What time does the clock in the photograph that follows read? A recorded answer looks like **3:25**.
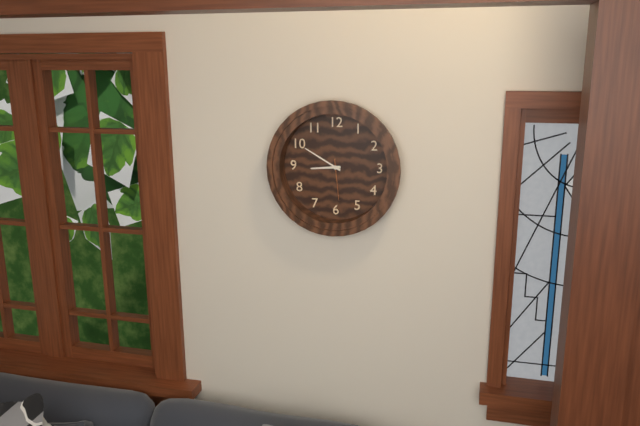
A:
**8:50**
